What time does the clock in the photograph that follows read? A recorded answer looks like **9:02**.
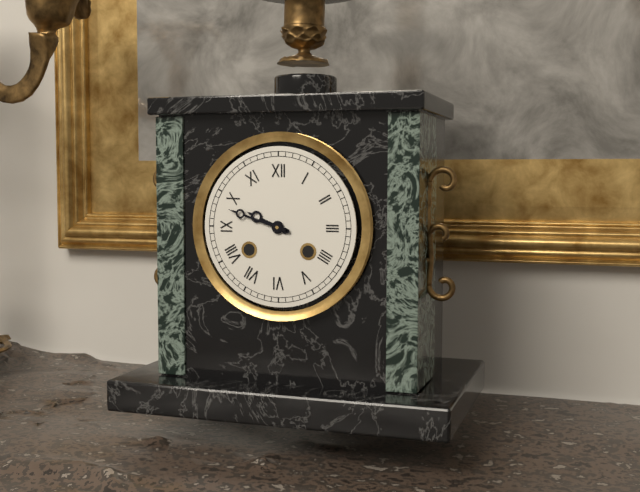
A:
**9:48**
